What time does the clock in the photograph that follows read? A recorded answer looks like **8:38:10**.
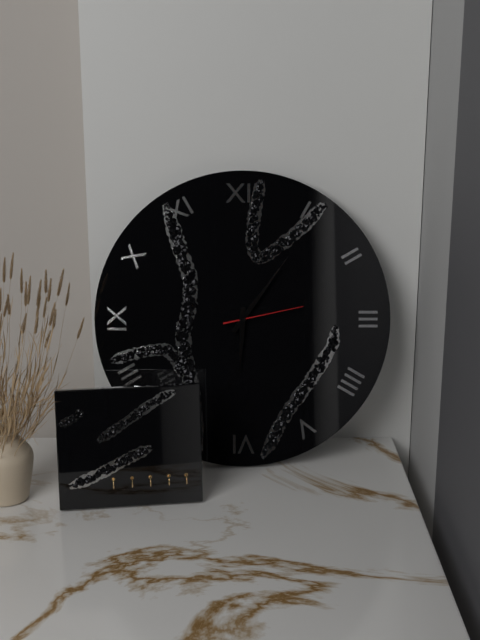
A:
**6:06:13**
